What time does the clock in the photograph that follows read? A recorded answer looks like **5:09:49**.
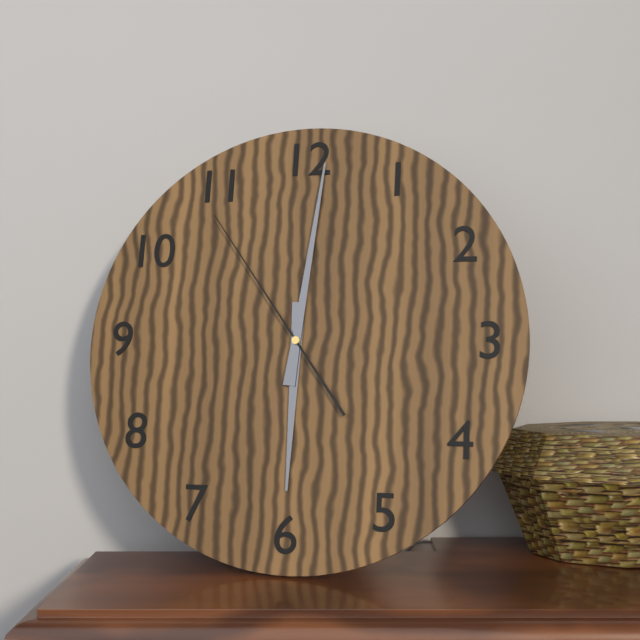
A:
**6:01:54**
